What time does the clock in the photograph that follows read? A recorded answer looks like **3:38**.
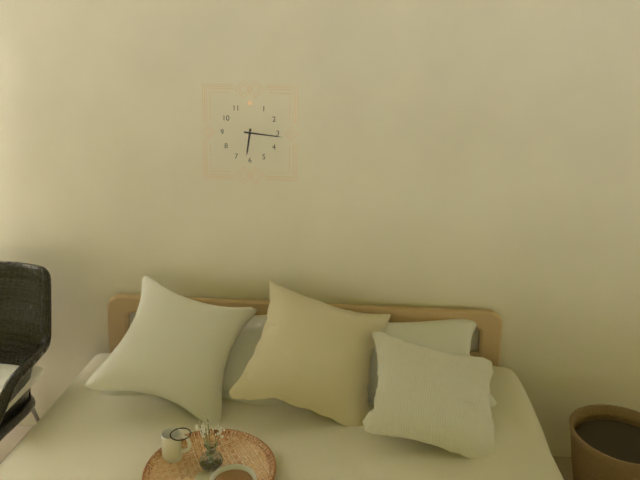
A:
**6:16**
